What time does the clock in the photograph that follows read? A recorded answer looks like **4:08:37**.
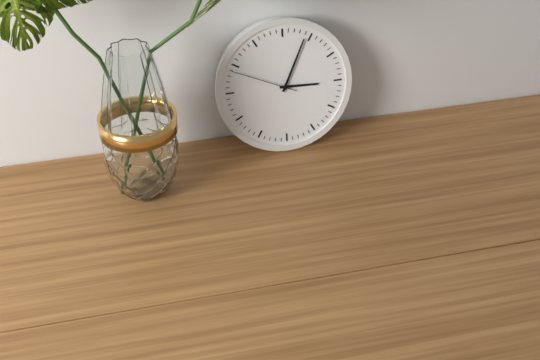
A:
**3:04:49**
